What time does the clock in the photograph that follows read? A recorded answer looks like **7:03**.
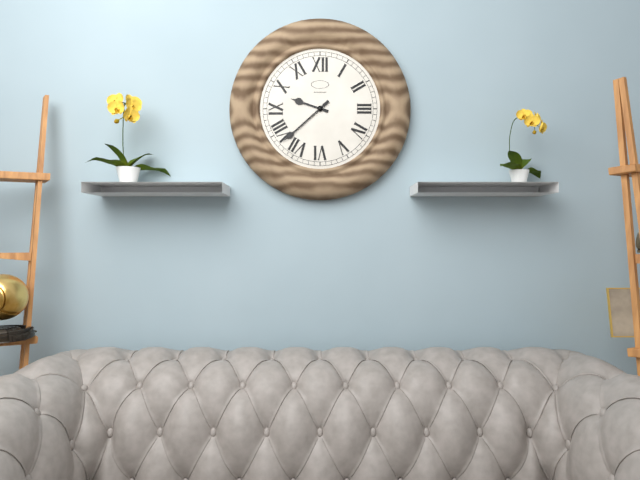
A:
**9:38**
